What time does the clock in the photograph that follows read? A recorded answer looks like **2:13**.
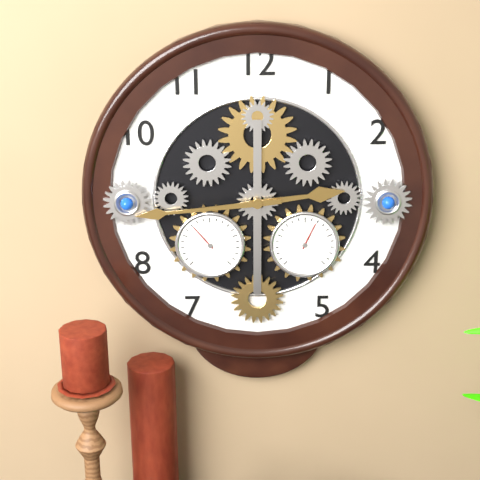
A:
**2:44**
